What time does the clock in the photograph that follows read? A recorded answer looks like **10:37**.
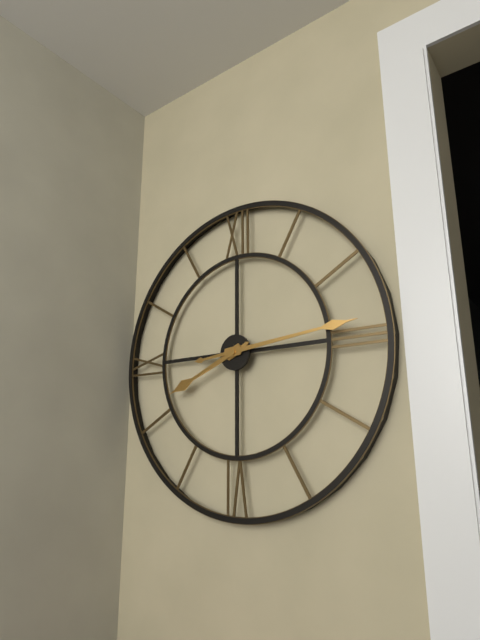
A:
**8:14**
